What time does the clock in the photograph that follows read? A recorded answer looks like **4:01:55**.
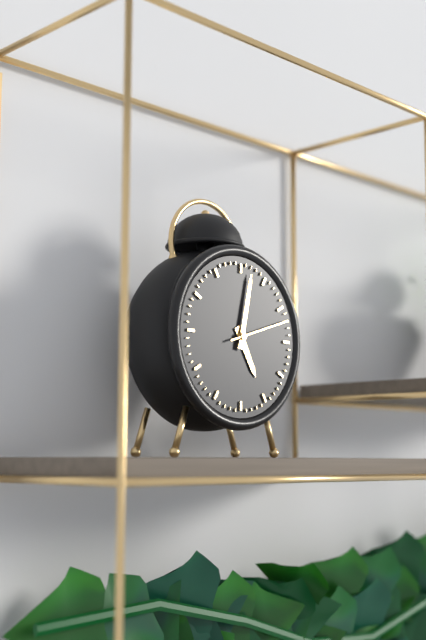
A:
**5:02:12**
